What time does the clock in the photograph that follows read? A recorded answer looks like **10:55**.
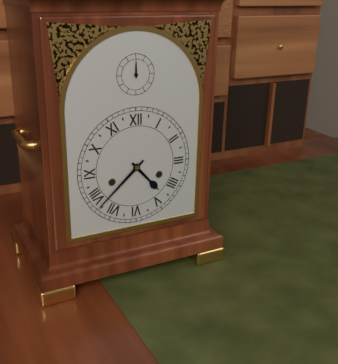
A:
**4:38**
